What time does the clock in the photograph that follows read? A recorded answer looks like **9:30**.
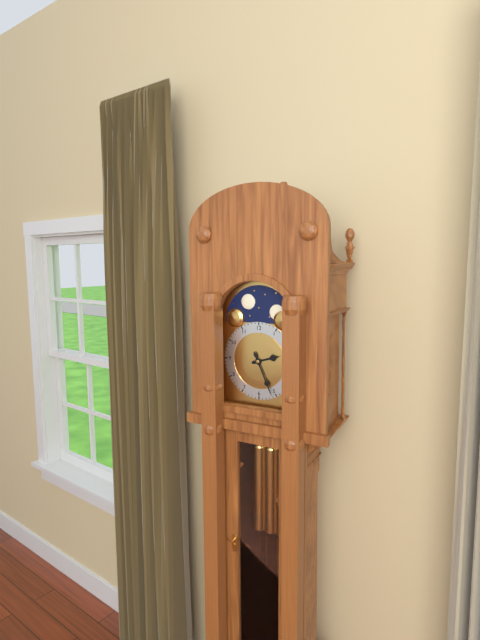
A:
**2:26**
